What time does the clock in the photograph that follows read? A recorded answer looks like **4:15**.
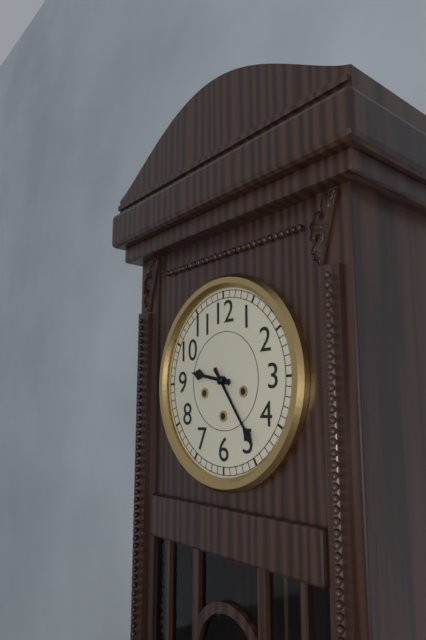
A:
**9:24**
